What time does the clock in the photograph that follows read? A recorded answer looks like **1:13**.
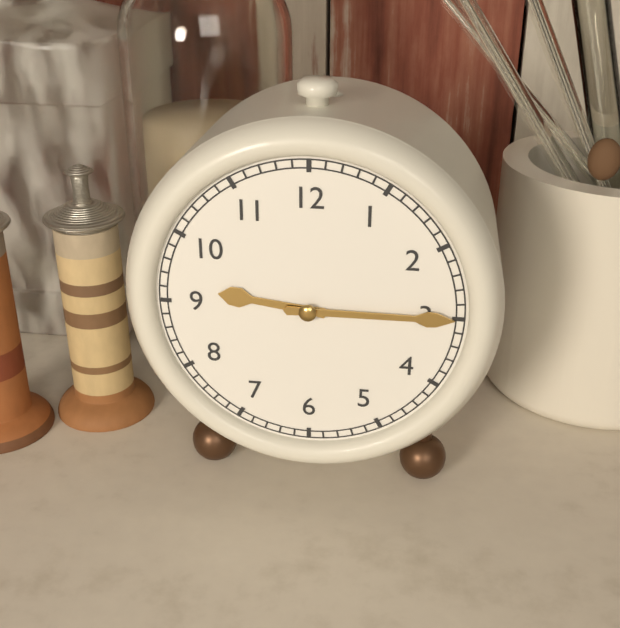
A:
**9:15**
